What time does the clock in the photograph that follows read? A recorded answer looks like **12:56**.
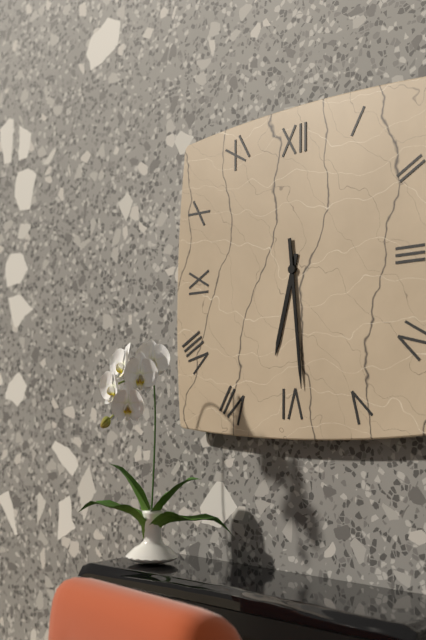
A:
**6:29**
